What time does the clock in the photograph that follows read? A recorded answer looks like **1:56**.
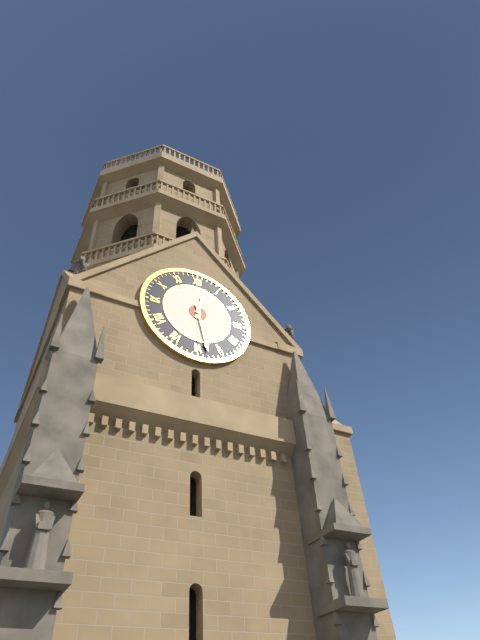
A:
**12:28**
